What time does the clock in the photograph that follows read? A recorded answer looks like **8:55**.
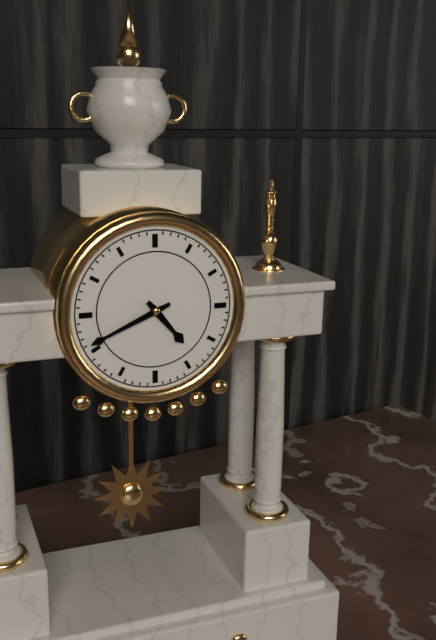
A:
**4:41**
